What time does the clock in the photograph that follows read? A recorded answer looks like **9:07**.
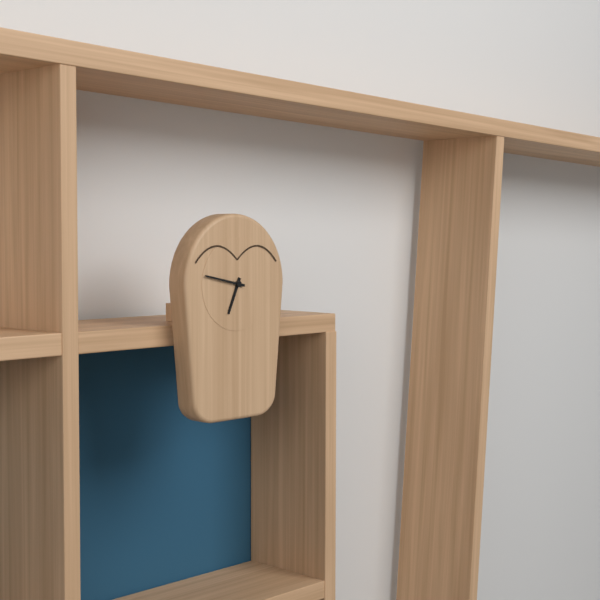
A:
**6:47**
